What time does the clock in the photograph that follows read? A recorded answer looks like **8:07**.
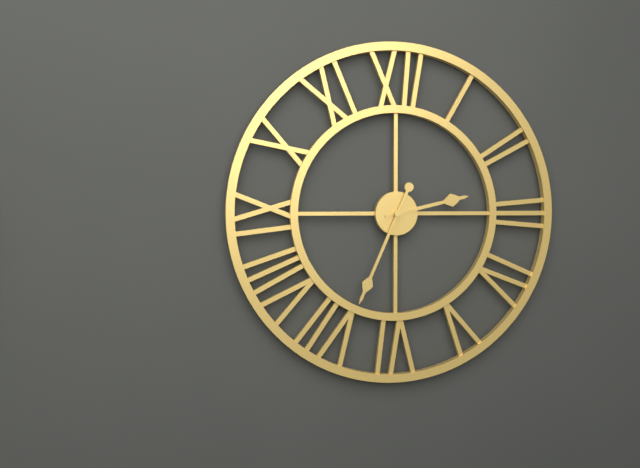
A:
**2:34**
